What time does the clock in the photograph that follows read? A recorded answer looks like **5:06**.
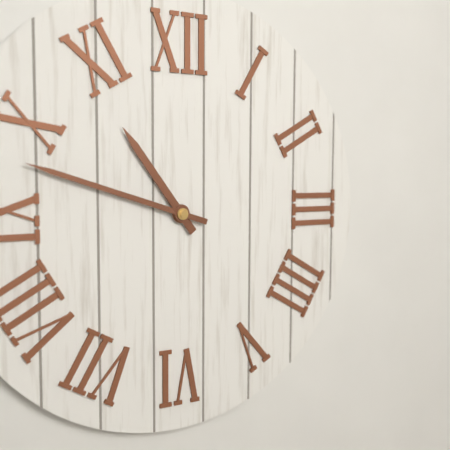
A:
**10:48**
